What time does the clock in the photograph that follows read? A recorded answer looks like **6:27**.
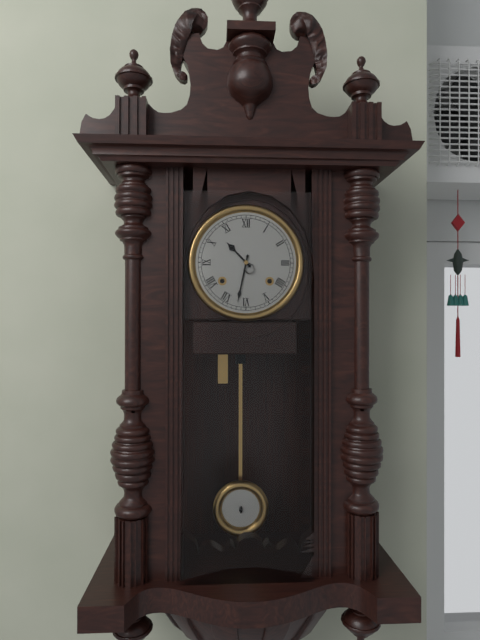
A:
**10:32**
